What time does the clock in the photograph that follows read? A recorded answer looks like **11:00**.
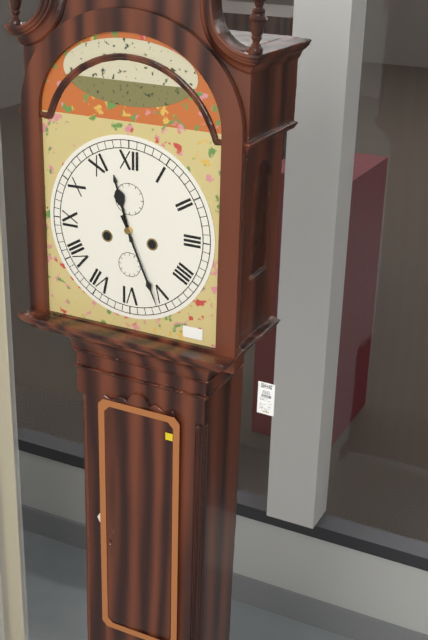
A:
**11:26**
